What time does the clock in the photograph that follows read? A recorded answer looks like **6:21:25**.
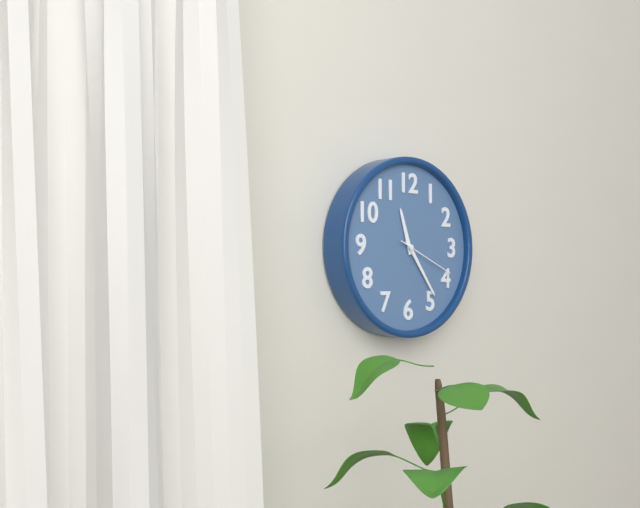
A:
**11:24:19**
